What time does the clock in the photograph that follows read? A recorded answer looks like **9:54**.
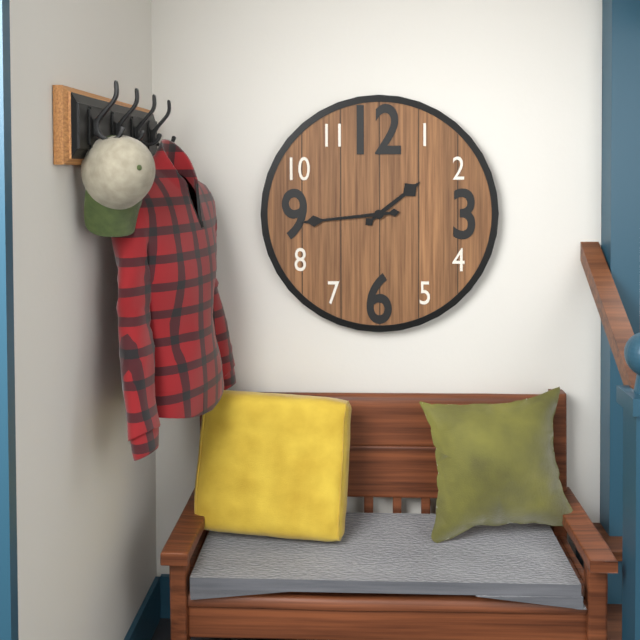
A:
**1:44**
